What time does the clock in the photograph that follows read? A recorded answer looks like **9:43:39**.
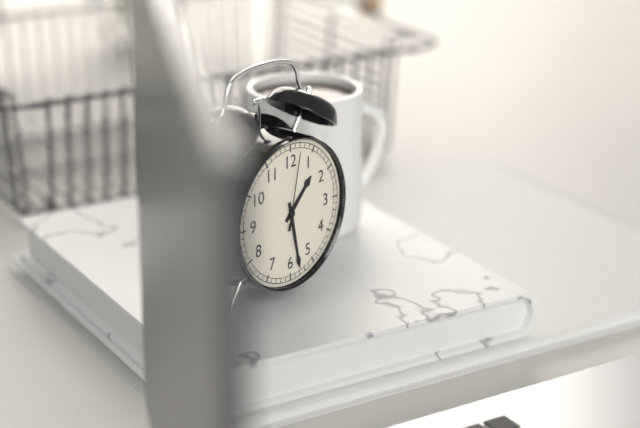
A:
**1:28:02**
